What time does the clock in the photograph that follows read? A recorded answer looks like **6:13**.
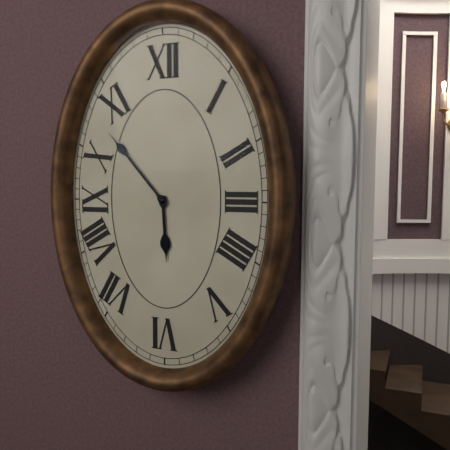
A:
**5:53**
